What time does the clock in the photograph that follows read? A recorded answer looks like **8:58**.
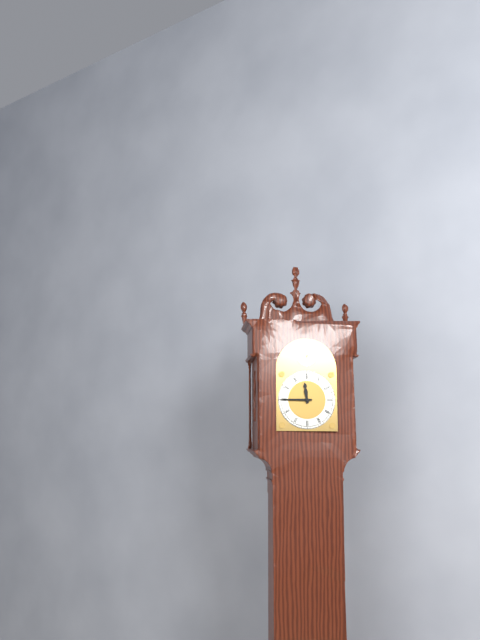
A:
**11:45**
